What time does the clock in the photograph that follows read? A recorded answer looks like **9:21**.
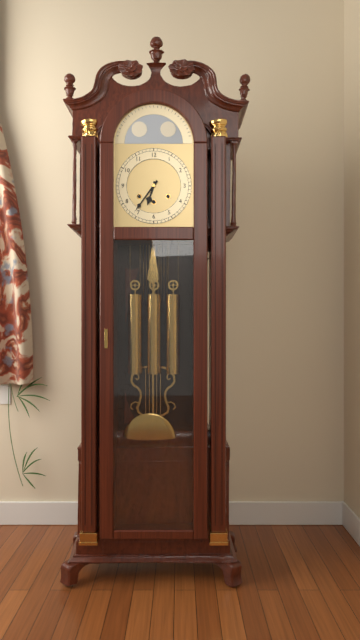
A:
**6:36**
